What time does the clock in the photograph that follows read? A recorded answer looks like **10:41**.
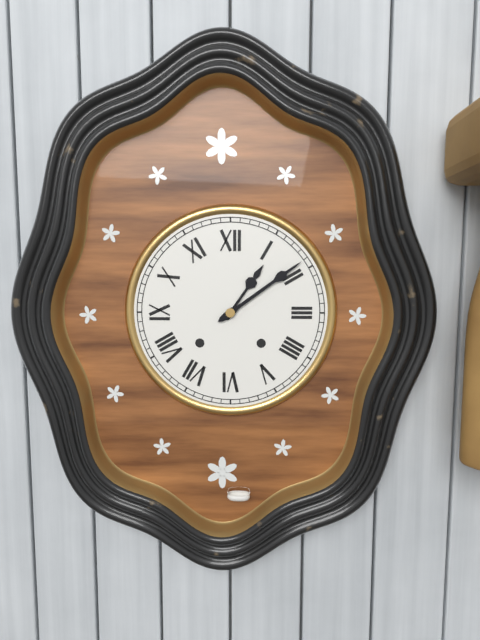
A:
**1:09**
